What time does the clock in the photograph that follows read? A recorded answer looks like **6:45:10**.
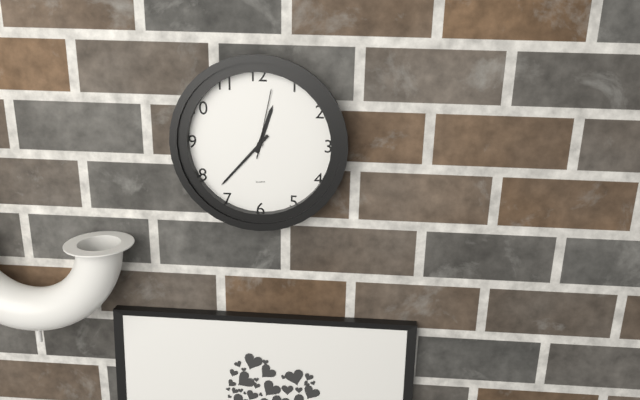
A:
**12:37:02**
